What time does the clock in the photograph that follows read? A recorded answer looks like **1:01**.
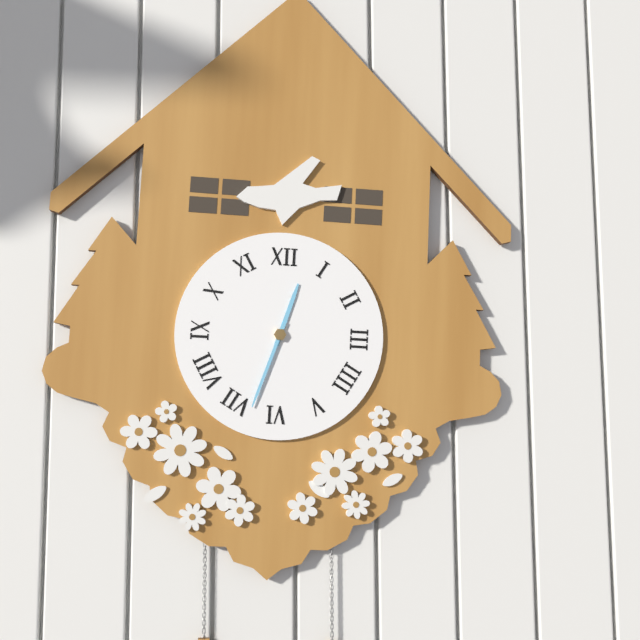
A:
**12:33**
